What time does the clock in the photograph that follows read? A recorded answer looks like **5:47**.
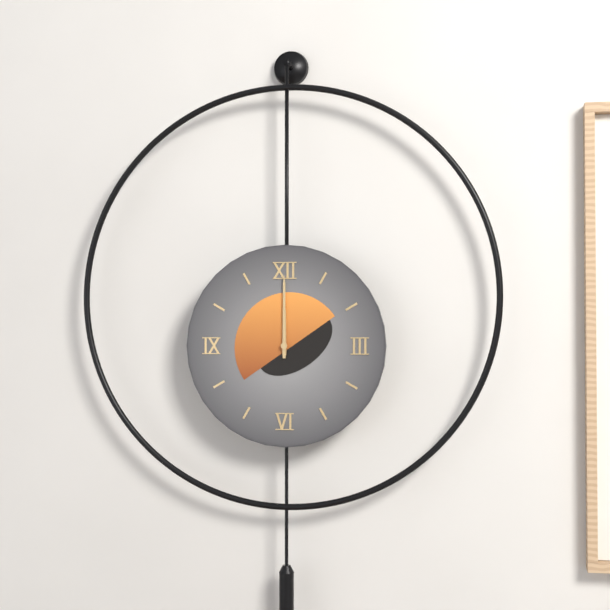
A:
**12:00**
